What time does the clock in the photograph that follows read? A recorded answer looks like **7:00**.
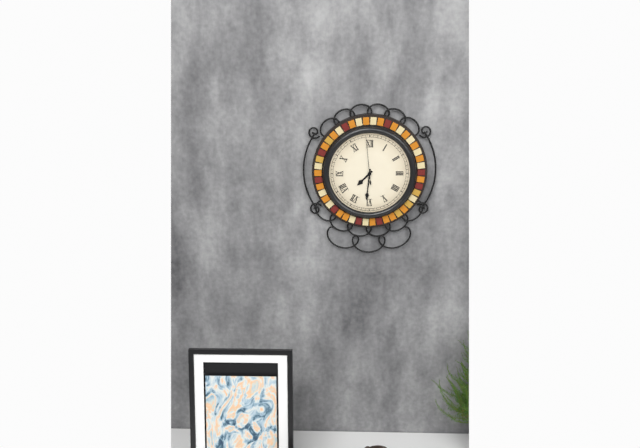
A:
**7:31**
